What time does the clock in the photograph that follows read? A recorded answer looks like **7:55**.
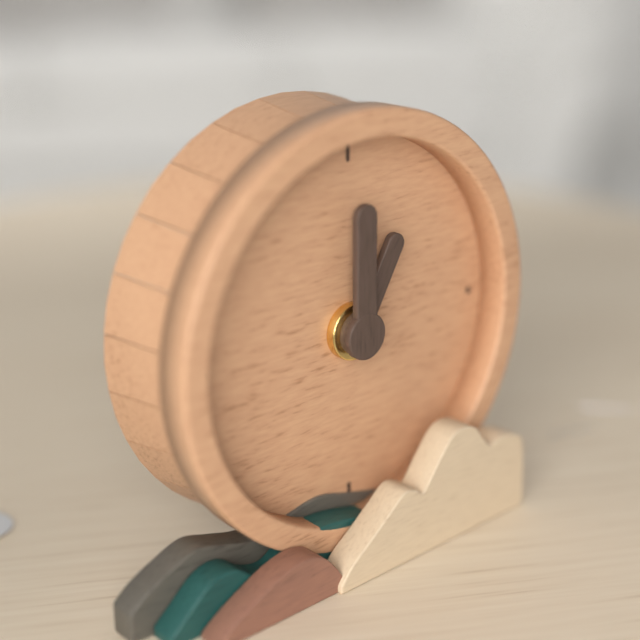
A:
**1:00**
